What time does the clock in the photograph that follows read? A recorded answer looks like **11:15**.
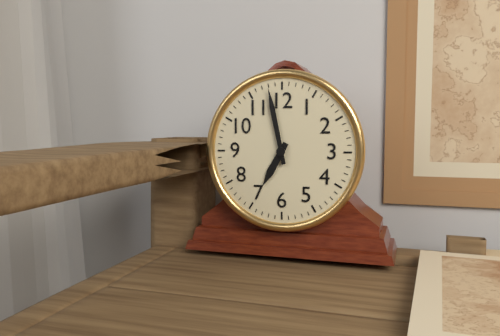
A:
**6:58**
